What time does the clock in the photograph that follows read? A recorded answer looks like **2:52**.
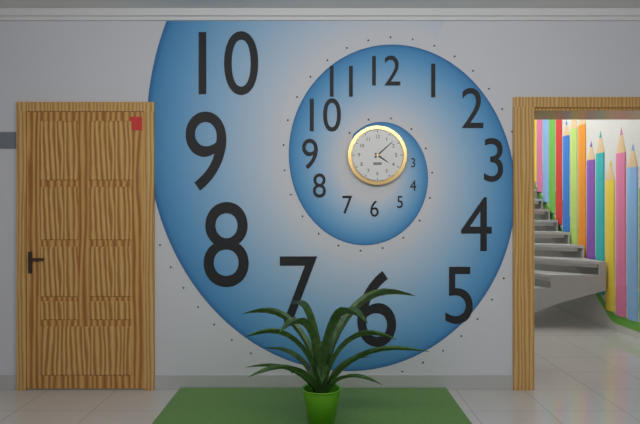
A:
**4:08**
